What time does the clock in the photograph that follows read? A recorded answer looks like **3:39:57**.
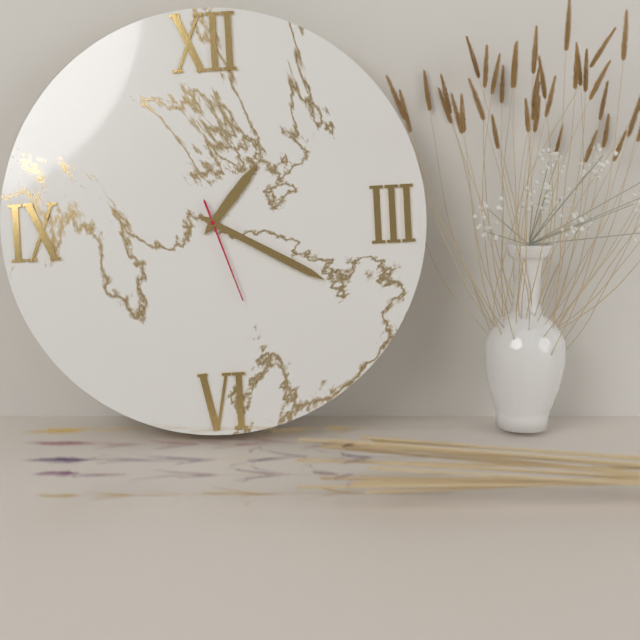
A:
**1:20:27**
